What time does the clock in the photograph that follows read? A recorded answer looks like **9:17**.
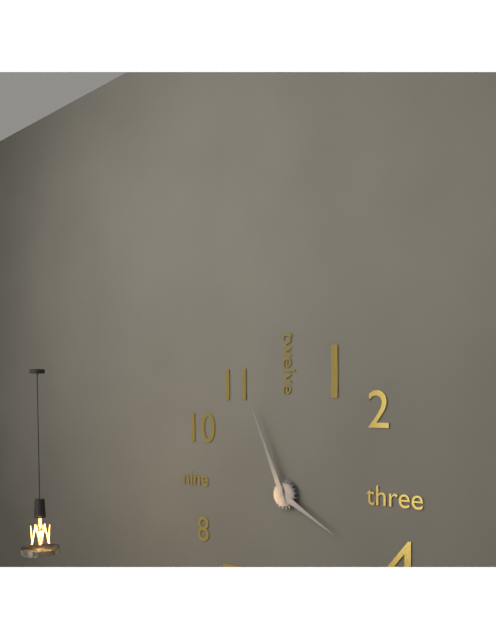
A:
**3:56**
